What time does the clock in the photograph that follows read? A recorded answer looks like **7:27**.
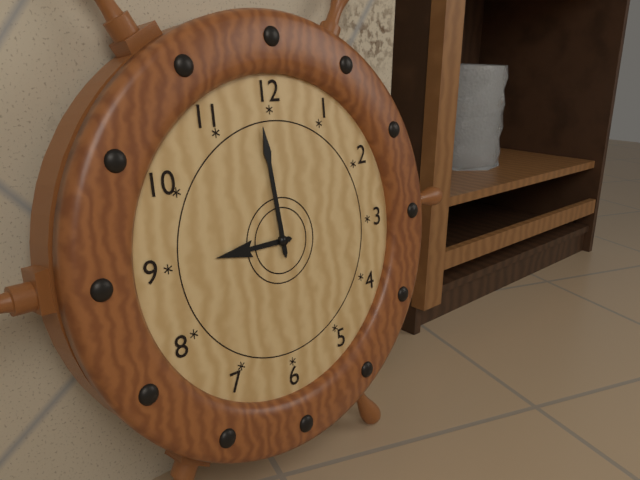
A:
**8:59**
